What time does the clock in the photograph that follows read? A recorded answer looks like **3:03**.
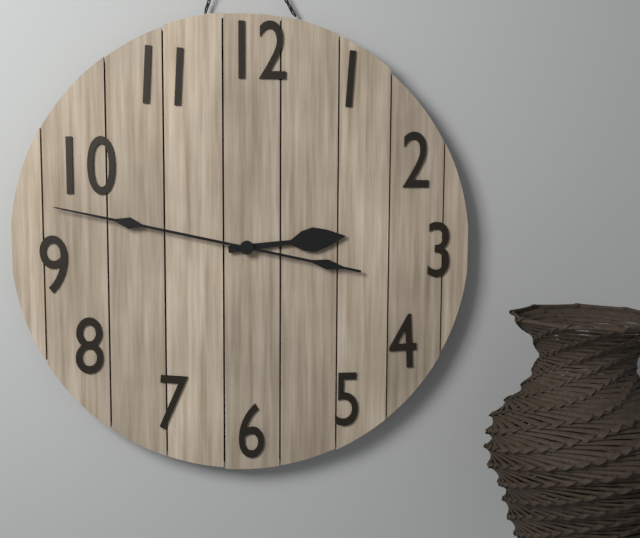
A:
**2:47**
